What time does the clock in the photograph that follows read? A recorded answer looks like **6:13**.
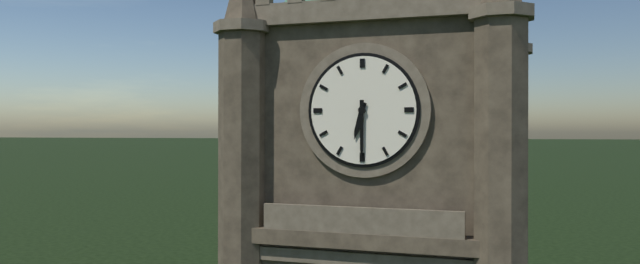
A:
**6:30**
